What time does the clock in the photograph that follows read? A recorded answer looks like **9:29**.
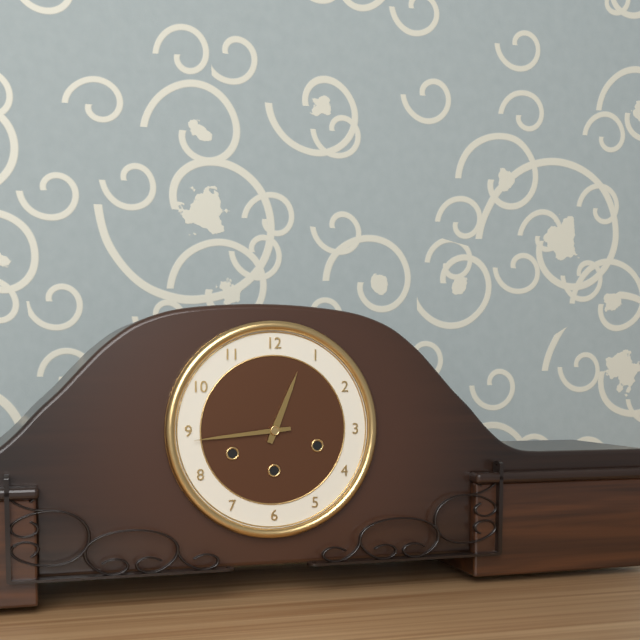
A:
**12:44**
